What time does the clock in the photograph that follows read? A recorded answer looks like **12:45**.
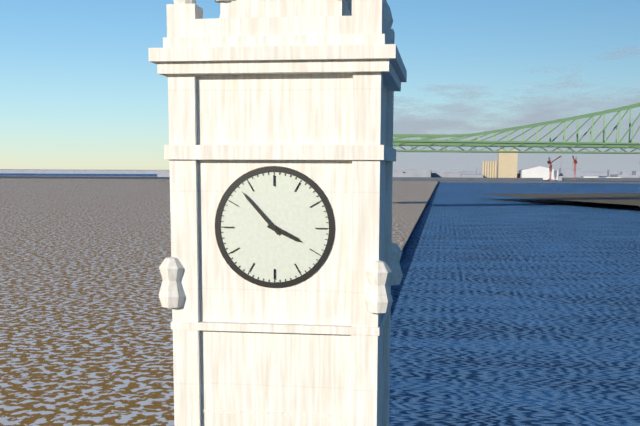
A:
**3:53**
